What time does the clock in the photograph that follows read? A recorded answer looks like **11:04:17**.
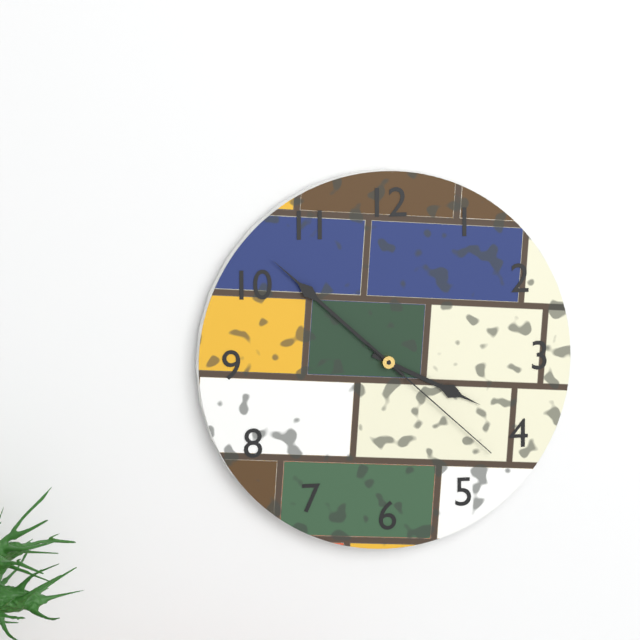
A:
**3:52:22**
